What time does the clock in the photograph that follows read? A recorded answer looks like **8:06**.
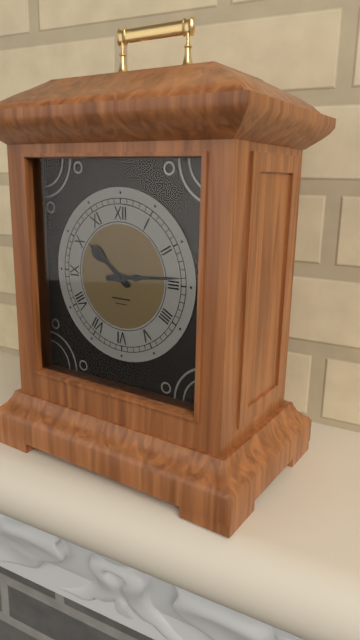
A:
**10:14**
